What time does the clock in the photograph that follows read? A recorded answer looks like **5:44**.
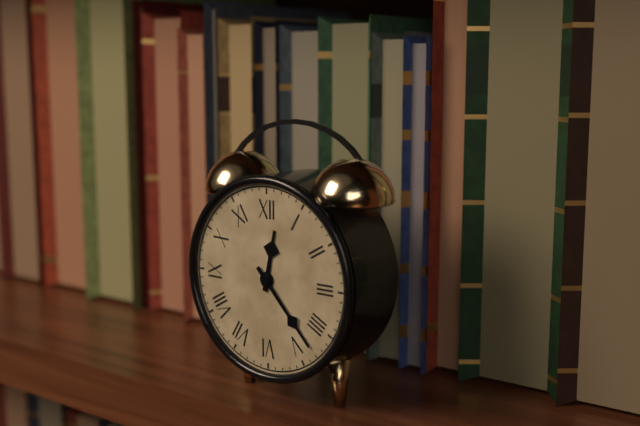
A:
**12:23**
